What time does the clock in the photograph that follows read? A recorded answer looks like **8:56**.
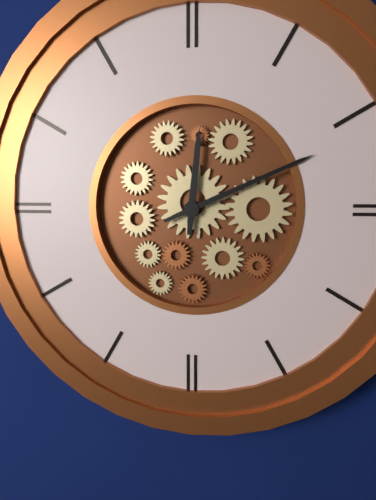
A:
**12:11**
